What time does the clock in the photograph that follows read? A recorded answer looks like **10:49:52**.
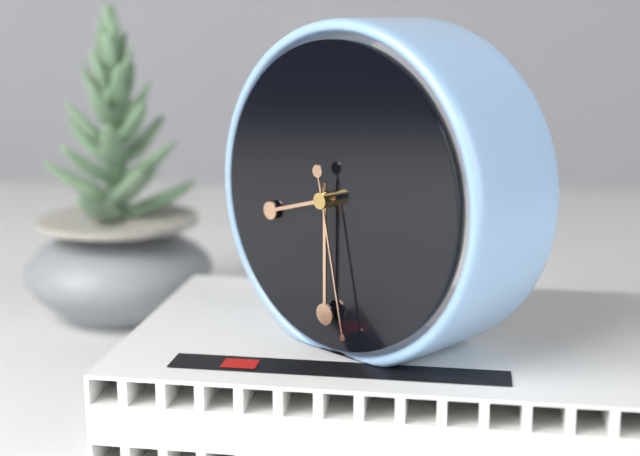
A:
**8:30:28**
